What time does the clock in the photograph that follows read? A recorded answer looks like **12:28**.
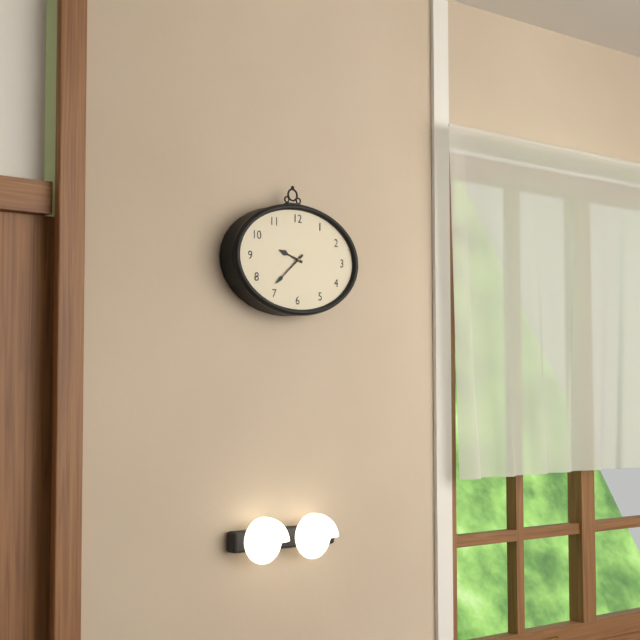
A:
**9:38**
